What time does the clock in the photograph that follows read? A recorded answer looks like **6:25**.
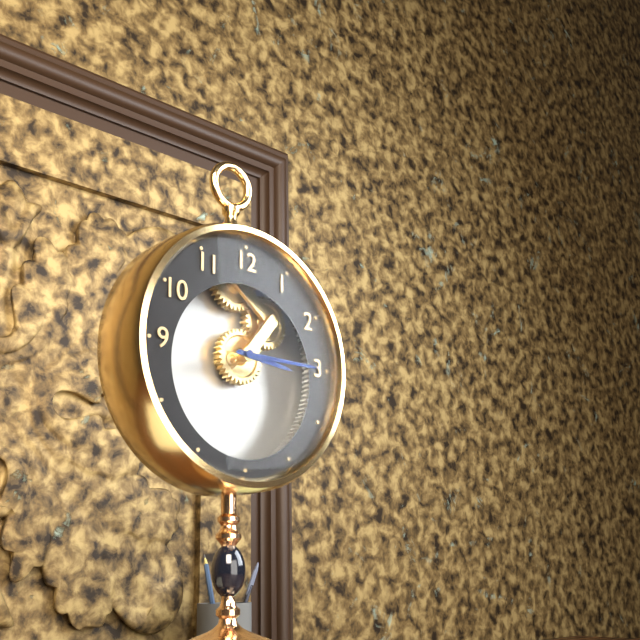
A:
**3:15**
